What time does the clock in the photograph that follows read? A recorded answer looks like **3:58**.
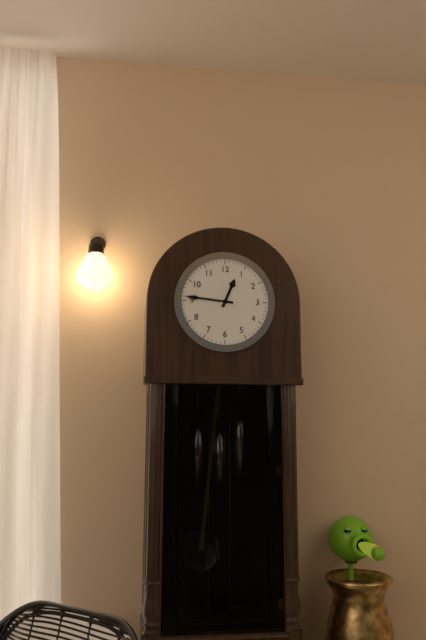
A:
**12:46**
